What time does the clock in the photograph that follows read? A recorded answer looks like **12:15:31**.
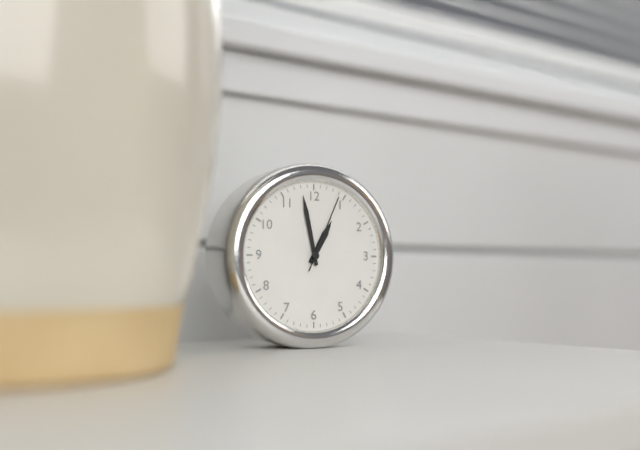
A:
**12:58:04**
